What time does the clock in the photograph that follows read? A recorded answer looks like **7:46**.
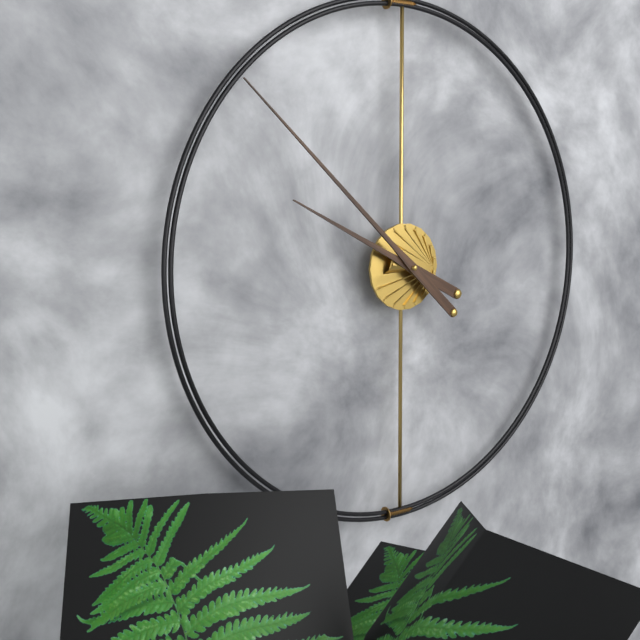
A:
**9:52**
